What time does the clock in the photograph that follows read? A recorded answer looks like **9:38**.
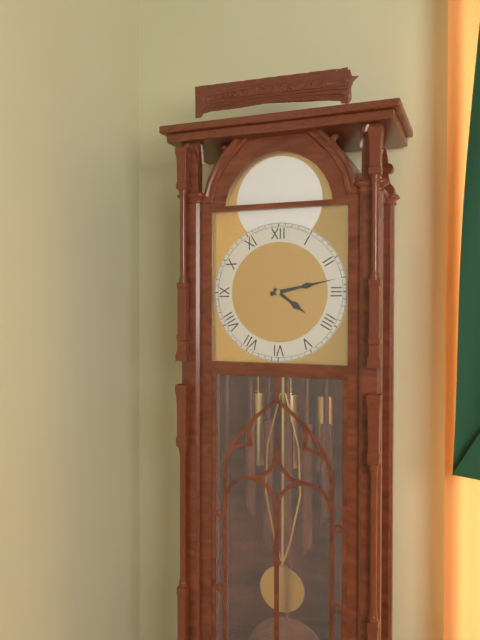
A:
**4:13**
